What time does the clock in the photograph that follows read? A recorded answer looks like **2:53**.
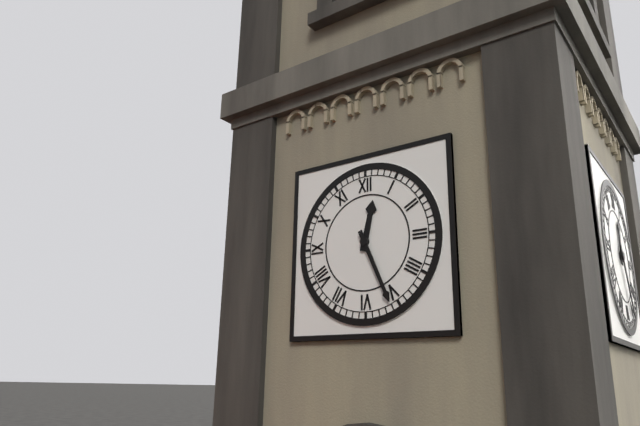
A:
**12:26**
